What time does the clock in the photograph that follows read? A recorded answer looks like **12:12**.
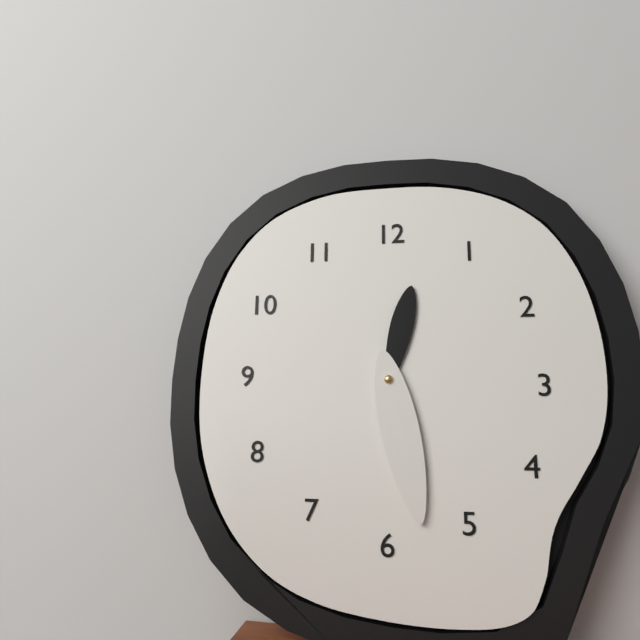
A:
**12:28**
